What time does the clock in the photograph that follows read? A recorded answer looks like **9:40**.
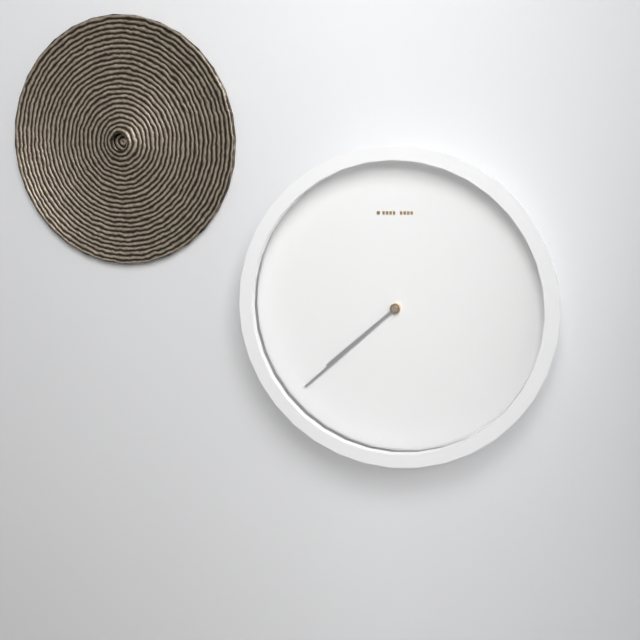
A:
**7:38**
